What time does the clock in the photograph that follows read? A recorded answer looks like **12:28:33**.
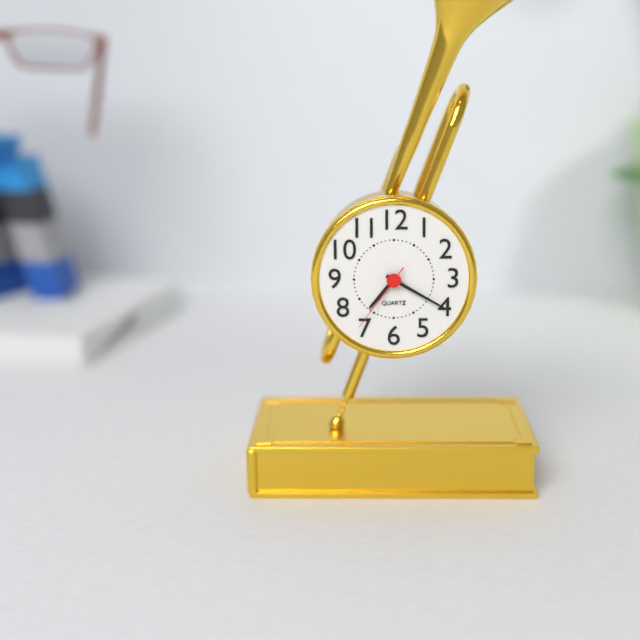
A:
**7:20:36**
